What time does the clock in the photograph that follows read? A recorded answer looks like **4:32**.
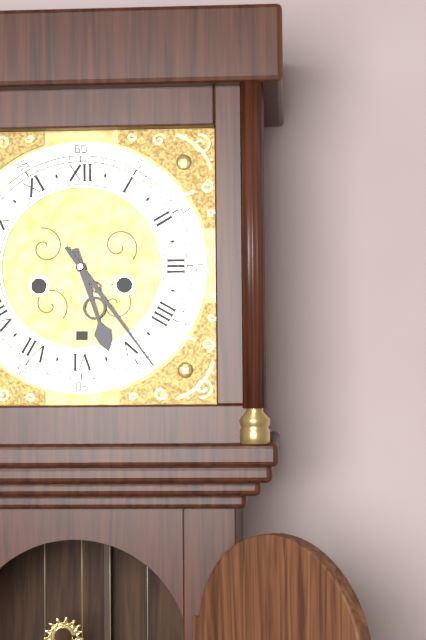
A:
**5:24**
